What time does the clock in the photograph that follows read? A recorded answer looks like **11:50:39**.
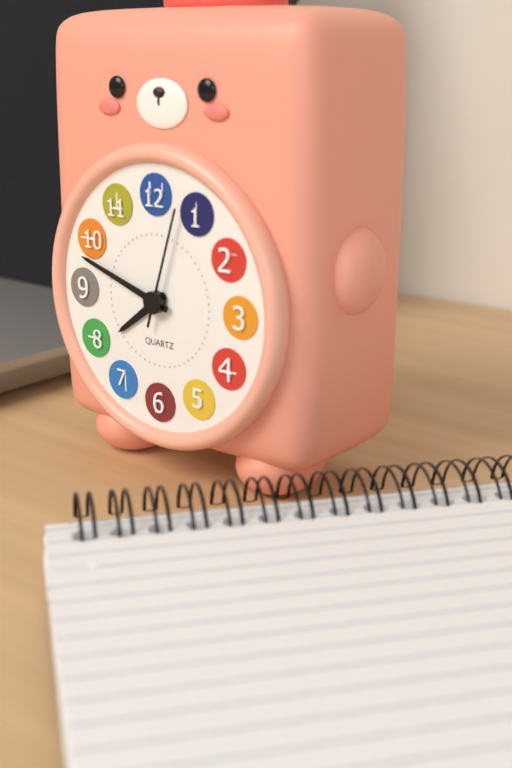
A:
**7:48:03**
